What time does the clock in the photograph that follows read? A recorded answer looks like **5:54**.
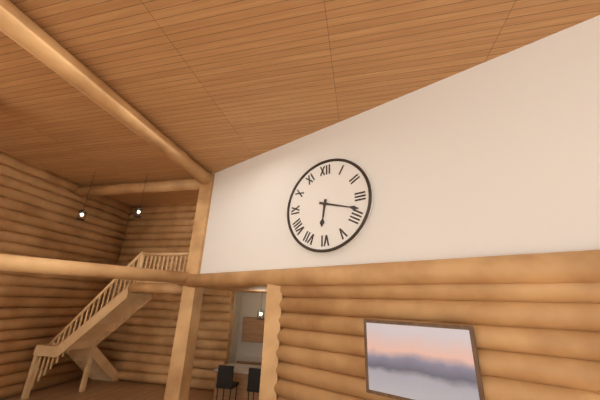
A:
**6:18**
